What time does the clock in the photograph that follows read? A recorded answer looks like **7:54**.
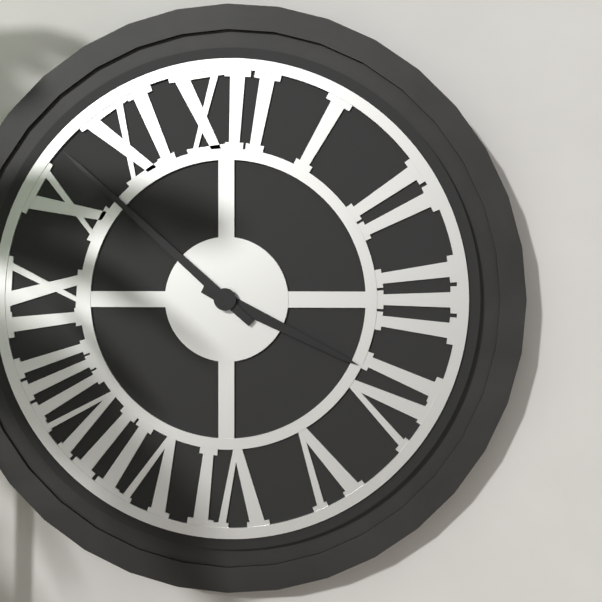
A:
**3:52**
